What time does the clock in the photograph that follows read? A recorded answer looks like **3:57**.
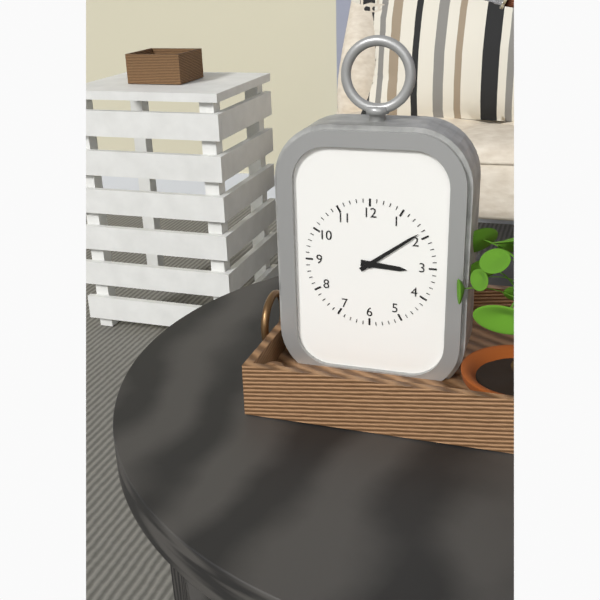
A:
**3:09**
